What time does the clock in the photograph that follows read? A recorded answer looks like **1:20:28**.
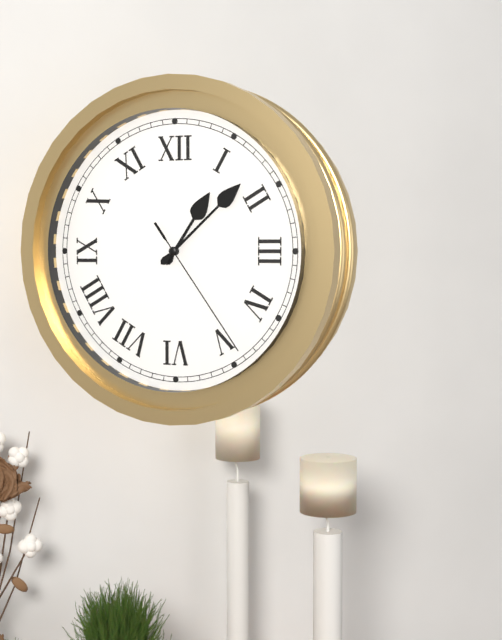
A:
**1:08:24**
